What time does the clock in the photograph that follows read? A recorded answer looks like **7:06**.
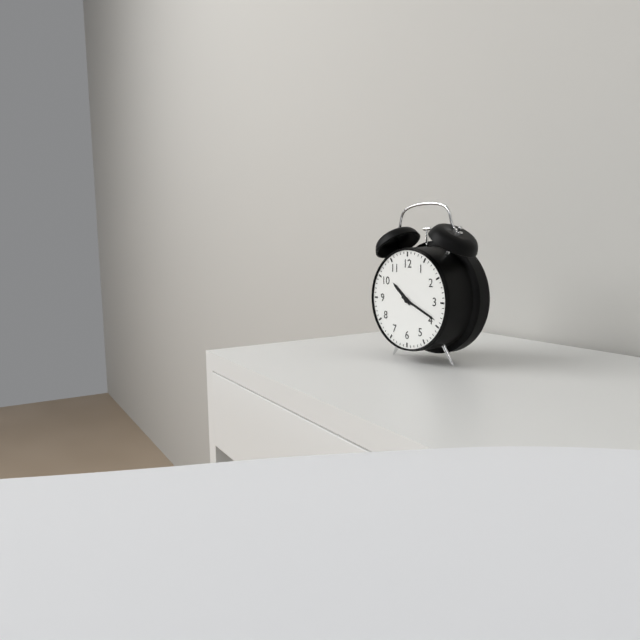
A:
**10:19**
